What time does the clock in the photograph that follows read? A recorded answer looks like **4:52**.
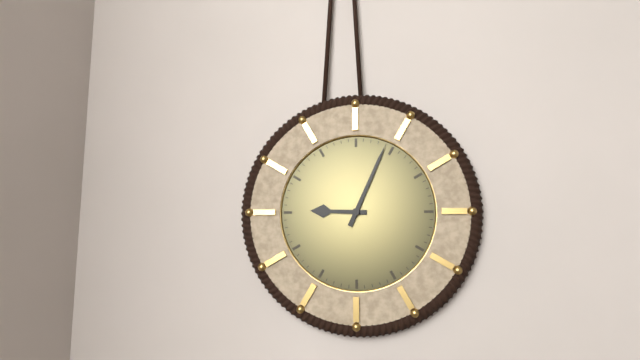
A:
**9:04**
